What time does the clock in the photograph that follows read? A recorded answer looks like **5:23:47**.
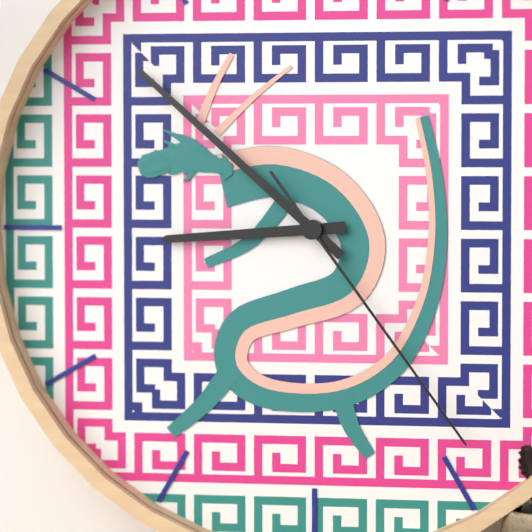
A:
**8:52:24**
